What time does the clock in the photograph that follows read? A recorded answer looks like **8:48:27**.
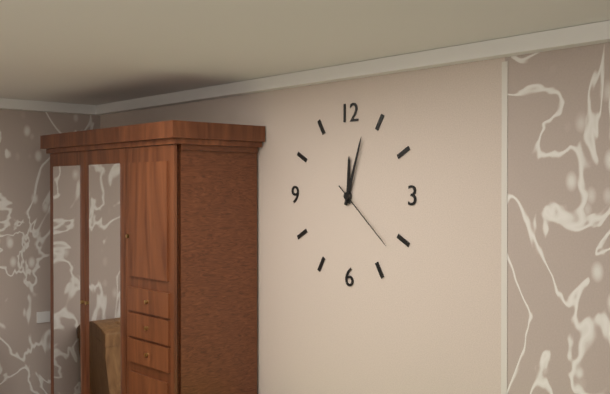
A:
**12:03:22**
